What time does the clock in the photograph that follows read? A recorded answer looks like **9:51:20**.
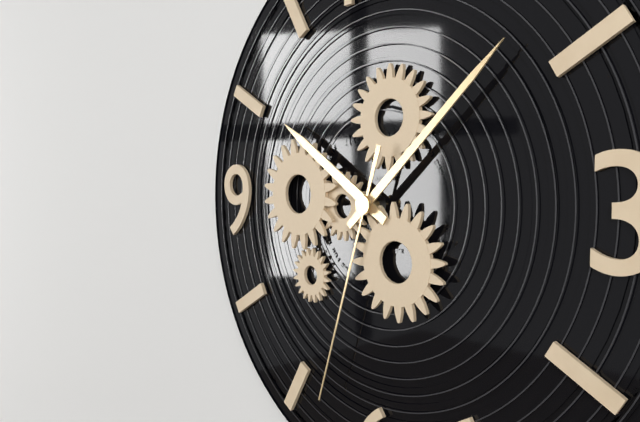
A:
**10:08:33**
